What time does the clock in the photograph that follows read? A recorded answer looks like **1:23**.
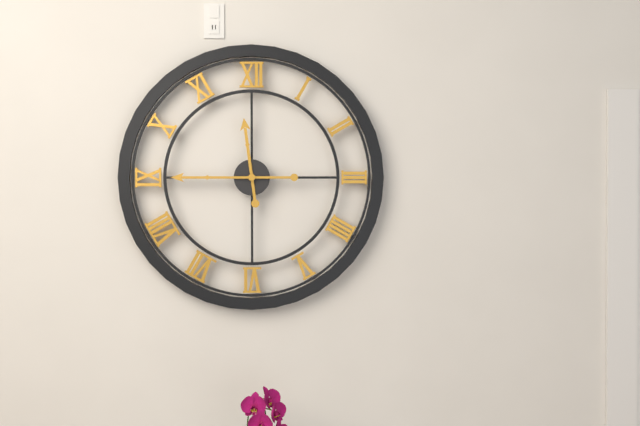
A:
**11:45**
